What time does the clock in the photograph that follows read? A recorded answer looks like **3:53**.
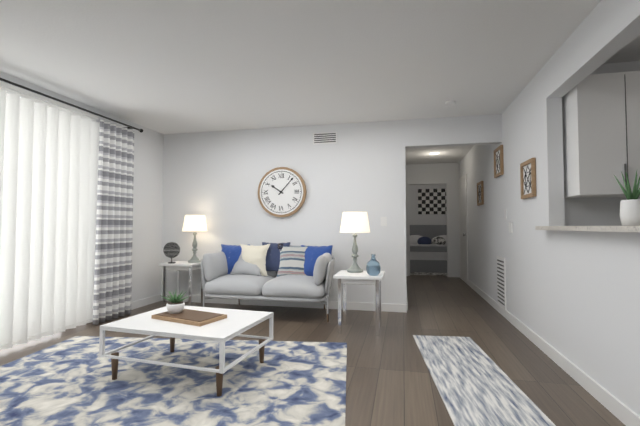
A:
**10:07**
